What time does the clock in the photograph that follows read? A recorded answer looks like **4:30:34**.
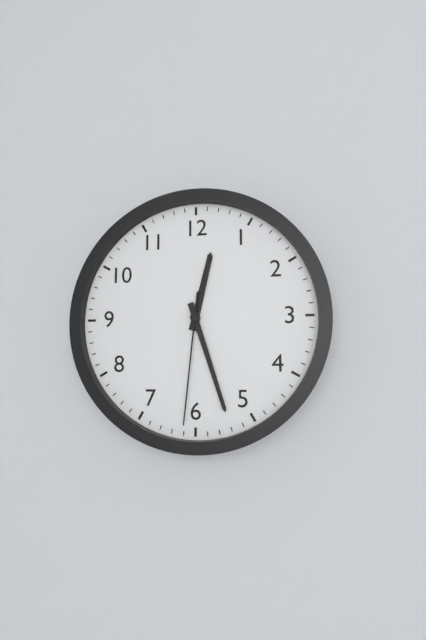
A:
**12:27:31**
